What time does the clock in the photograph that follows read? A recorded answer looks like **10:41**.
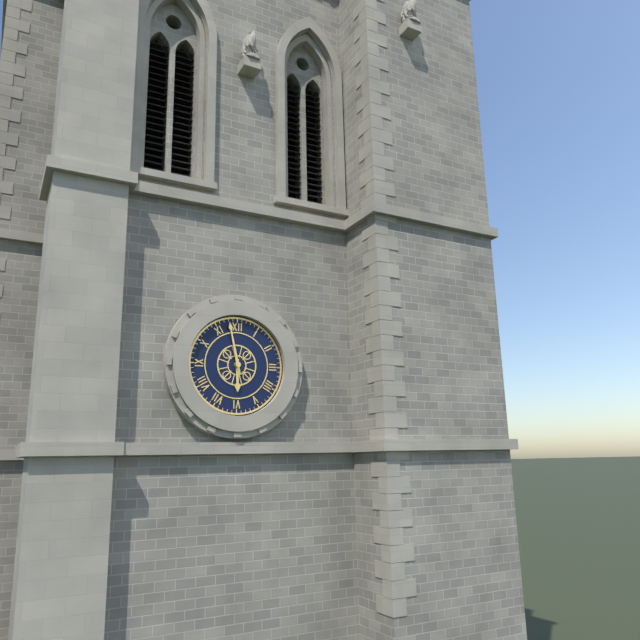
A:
**5:58**
